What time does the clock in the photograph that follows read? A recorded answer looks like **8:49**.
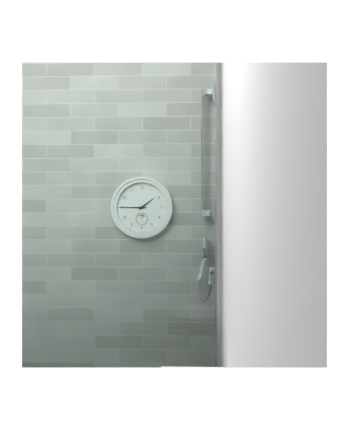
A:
**1:45**
